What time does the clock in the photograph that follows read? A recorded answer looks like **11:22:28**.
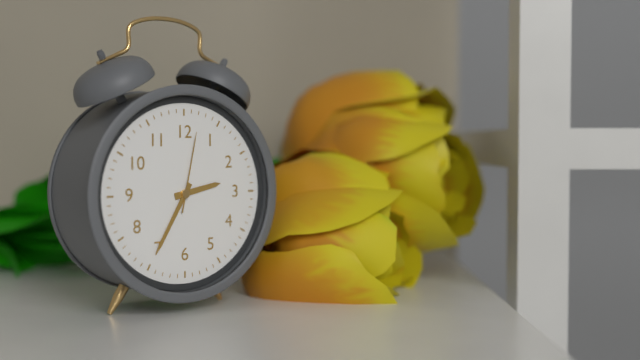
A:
**2:35:02**
